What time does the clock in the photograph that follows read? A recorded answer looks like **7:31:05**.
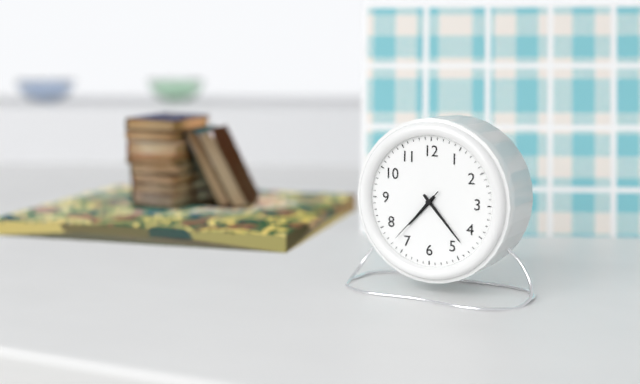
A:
**7:23:37**
